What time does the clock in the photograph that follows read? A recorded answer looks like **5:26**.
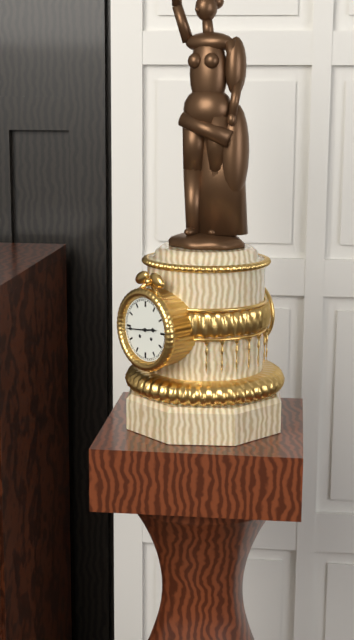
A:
**2:44**
